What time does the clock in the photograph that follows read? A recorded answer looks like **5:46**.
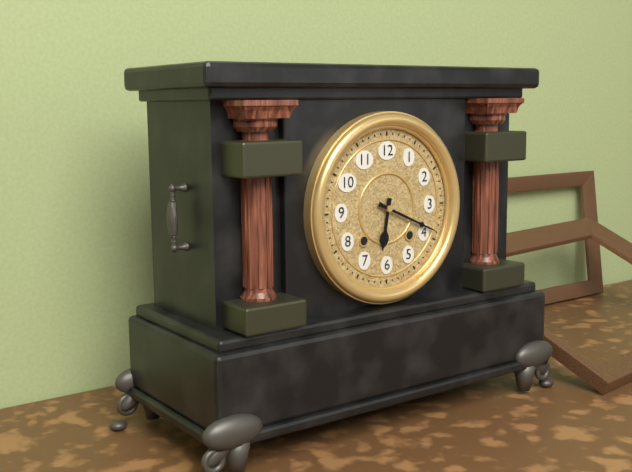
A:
**6:19**
